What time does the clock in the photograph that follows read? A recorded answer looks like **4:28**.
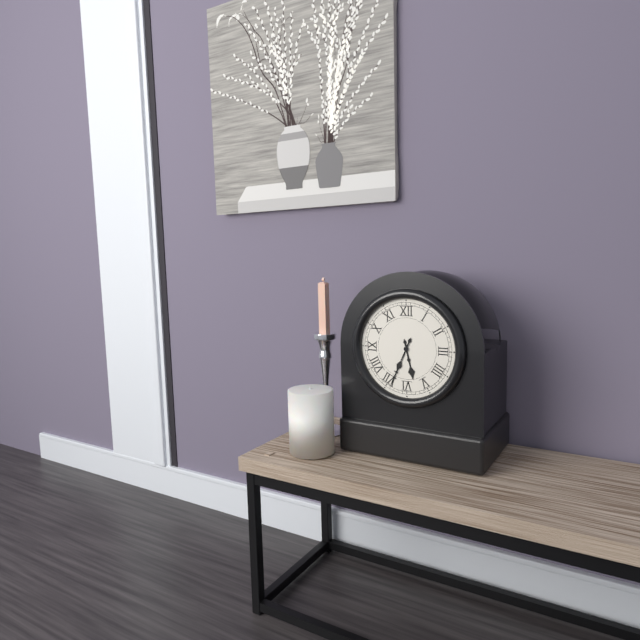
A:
**5:34**
